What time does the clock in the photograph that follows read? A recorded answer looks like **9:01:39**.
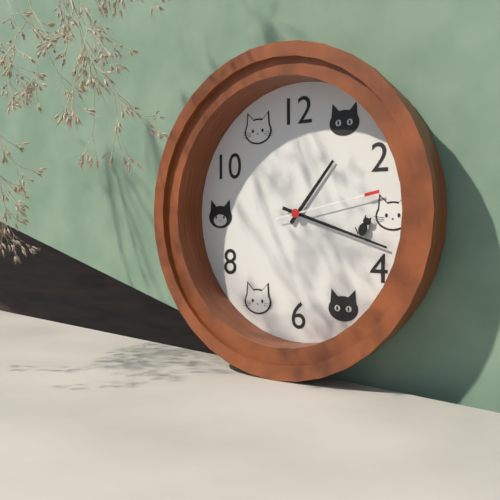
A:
**1:18:13**
